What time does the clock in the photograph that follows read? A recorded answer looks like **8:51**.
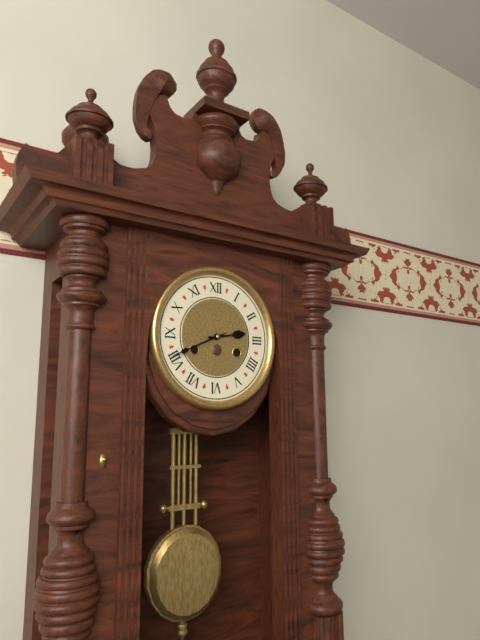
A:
**2:41**
